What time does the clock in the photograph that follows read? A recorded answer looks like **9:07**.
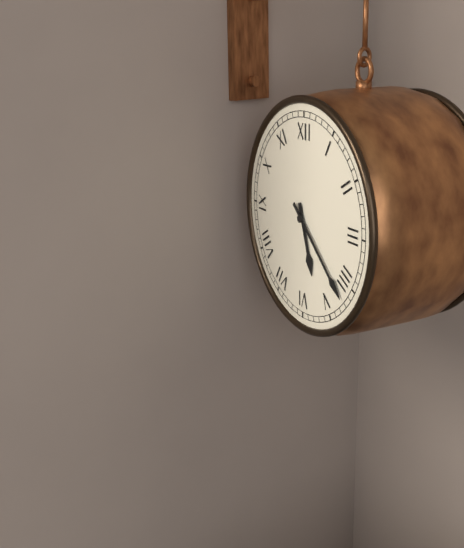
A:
**5:22**
